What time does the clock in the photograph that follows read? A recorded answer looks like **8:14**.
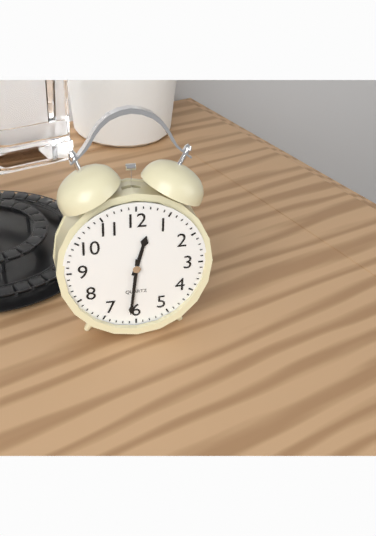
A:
**12:31**
